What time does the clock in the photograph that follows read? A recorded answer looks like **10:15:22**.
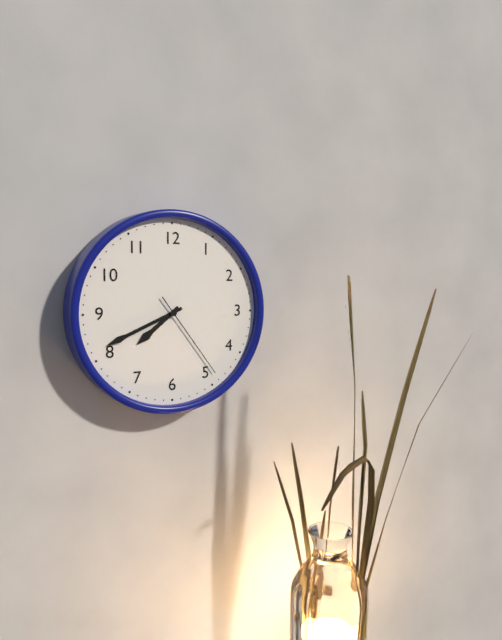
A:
**7:41:24**
